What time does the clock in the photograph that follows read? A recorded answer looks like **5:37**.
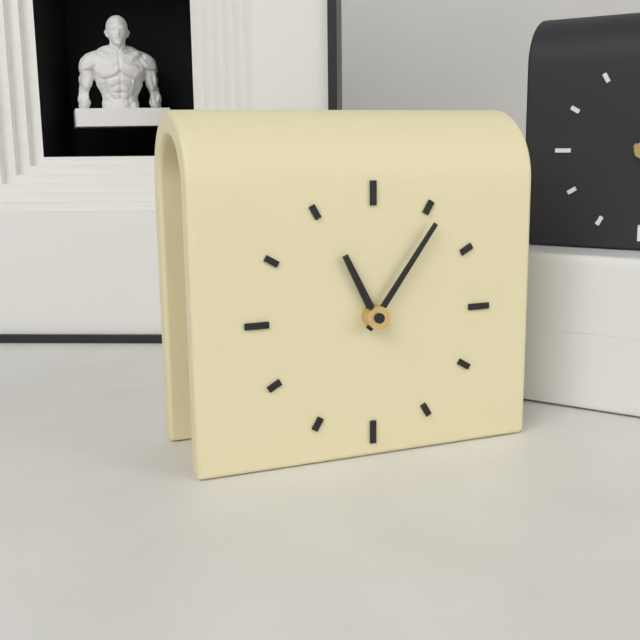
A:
**11:06**
